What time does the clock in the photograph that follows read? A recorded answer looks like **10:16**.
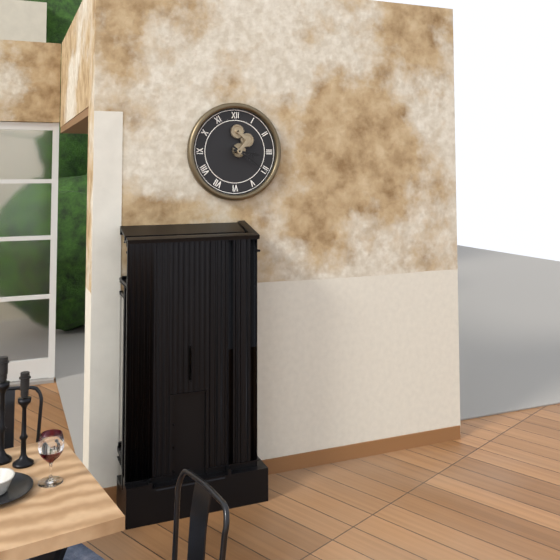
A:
**3:21**
